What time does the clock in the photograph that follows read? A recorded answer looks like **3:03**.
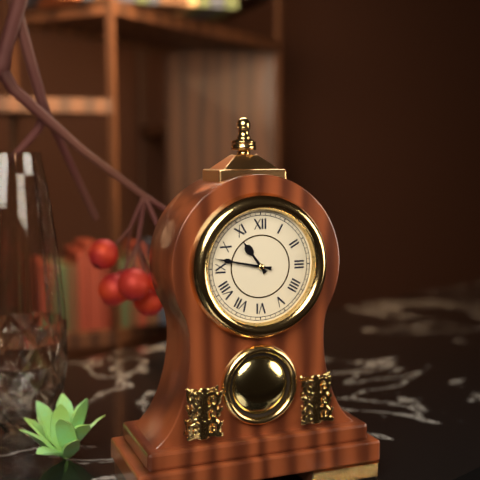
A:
**10:47**
